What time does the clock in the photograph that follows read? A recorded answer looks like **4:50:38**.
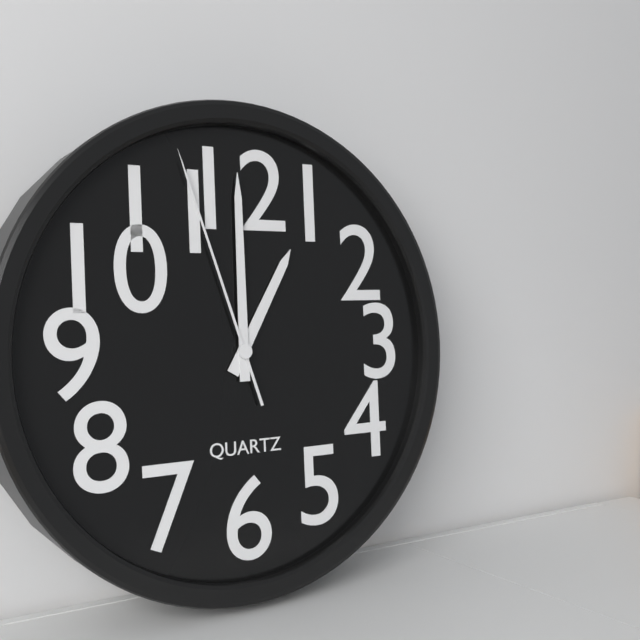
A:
**1:00:57**
